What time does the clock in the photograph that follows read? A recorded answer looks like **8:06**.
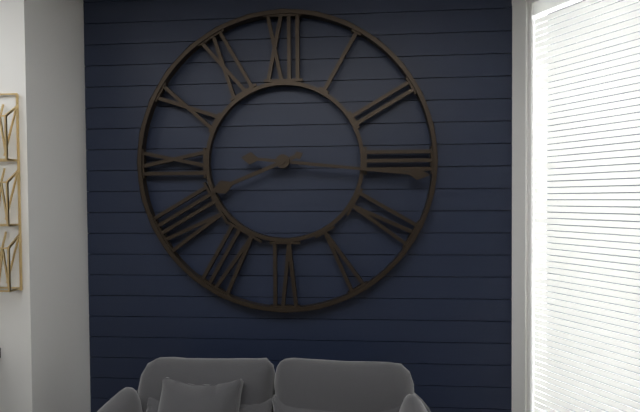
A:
**8:16**
